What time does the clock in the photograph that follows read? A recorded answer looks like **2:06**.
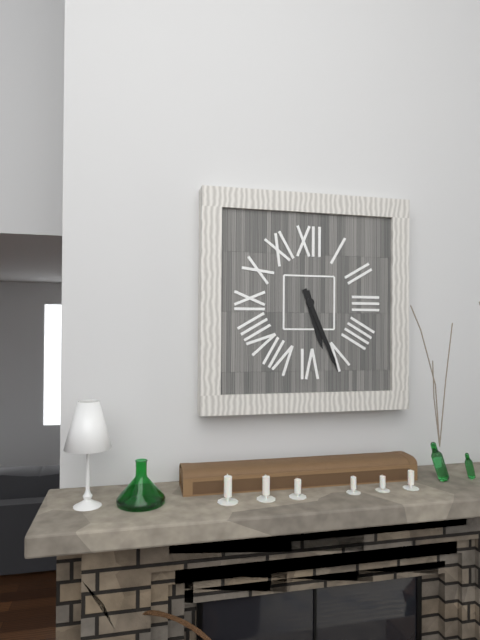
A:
**5:26**
